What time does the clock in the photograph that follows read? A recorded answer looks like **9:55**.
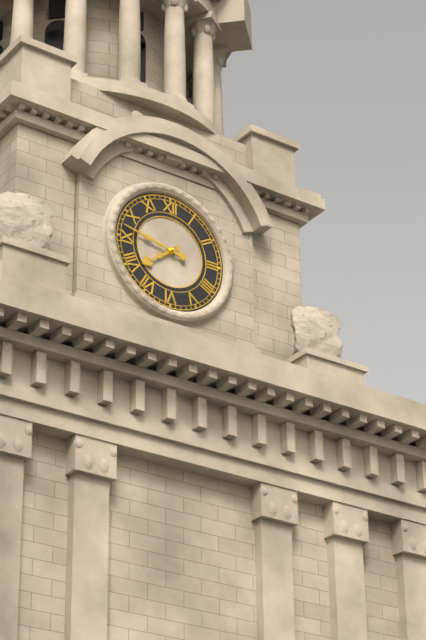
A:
**7:47**
